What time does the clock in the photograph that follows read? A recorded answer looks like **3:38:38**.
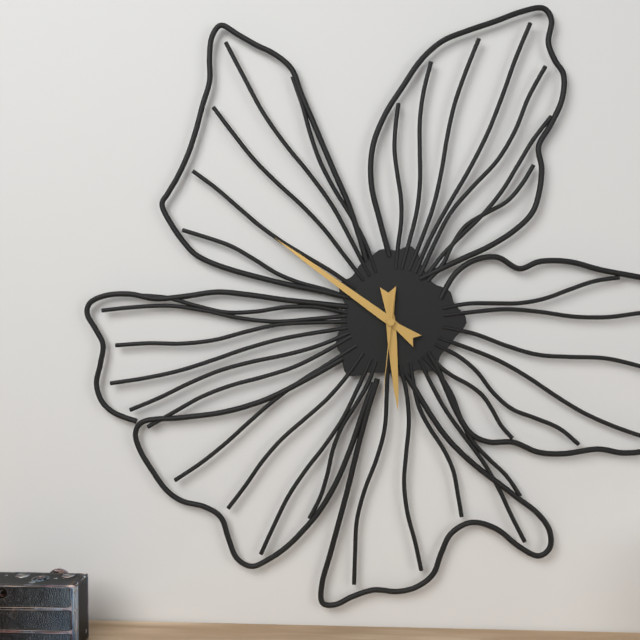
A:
**5:51:31**
